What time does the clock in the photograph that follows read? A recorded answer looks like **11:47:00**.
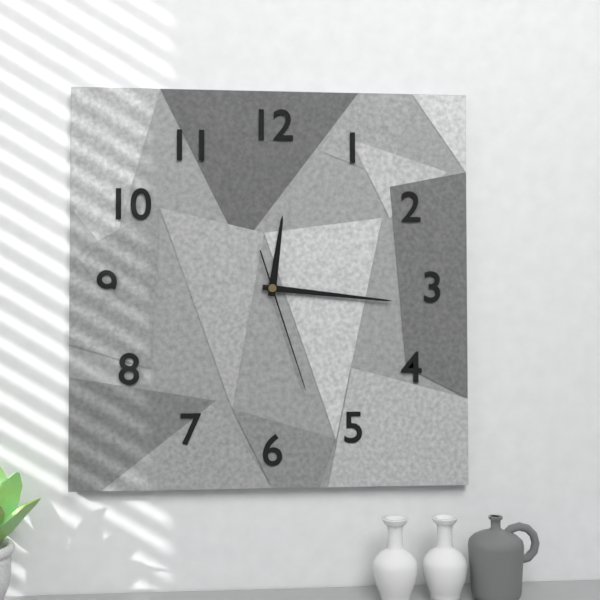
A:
**12:16:27**
